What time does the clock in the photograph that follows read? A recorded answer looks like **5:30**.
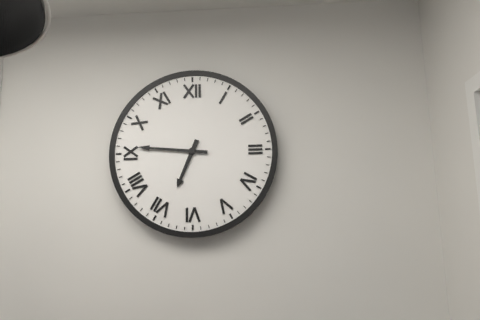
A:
**6:46**
